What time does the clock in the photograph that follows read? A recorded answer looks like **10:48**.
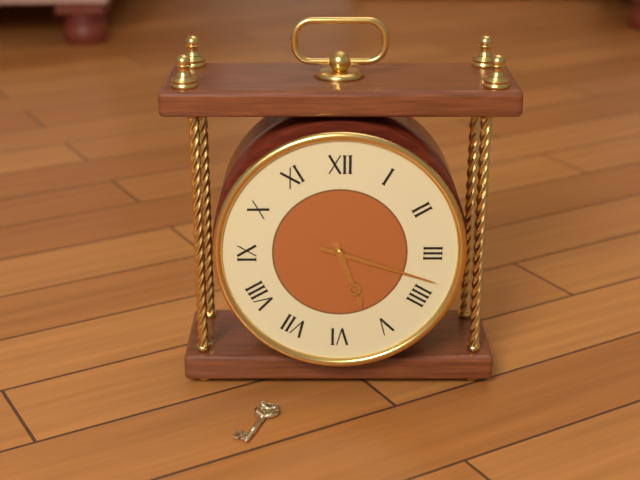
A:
**5:18**
